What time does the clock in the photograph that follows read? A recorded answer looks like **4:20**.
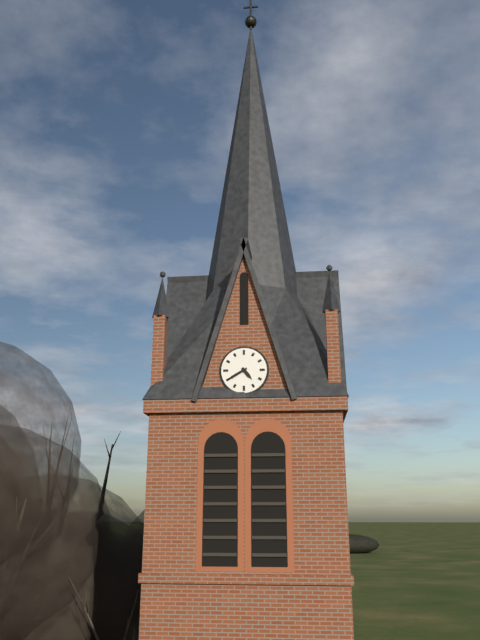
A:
**4:40**
